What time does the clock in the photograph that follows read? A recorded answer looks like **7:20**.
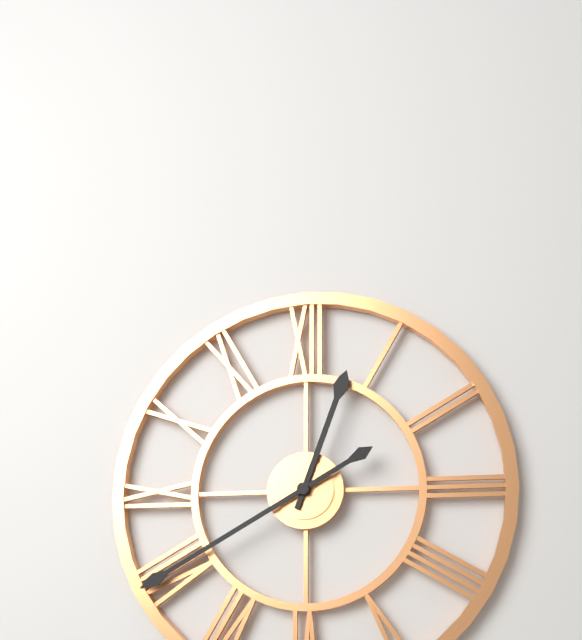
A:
**12:40**
